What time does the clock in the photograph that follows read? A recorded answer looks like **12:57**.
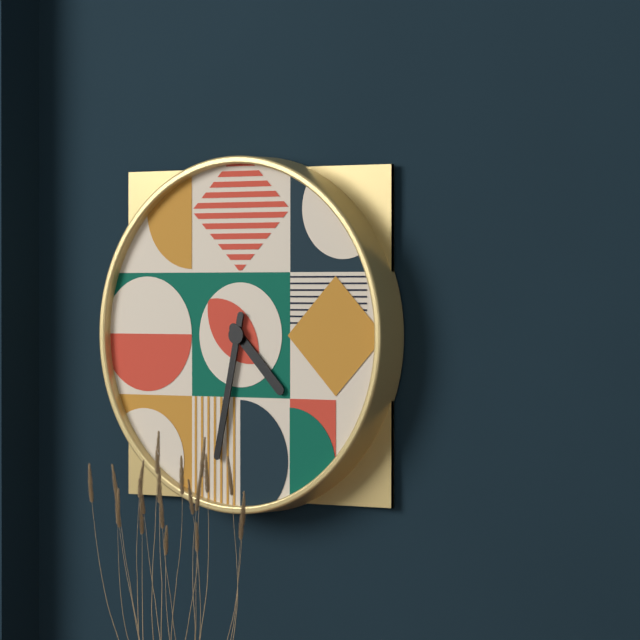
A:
**4:32**
